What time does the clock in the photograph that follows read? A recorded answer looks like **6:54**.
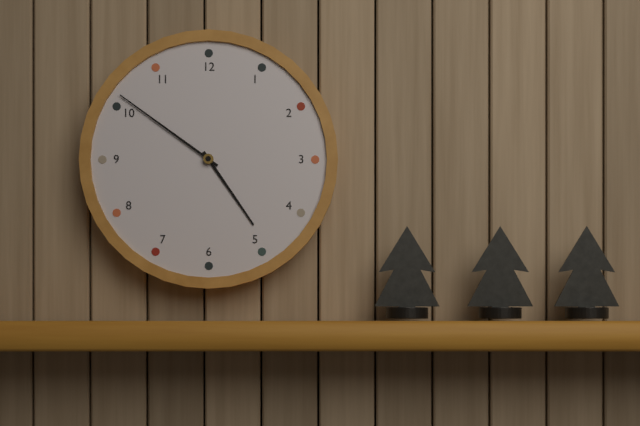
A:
**4:51**
